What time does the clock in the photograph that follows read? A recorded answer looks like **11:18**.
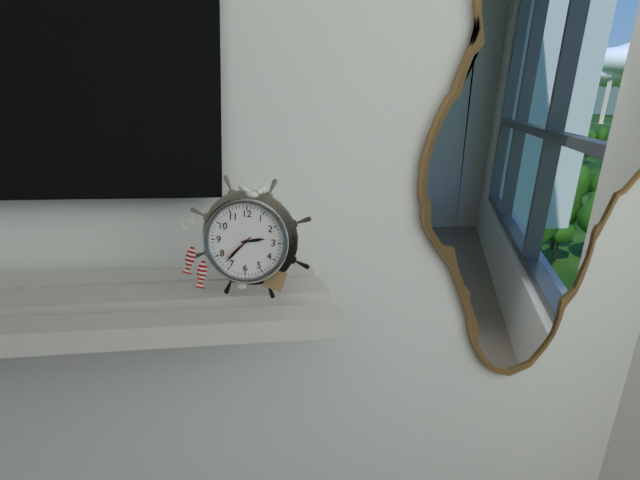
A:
**2:37**
